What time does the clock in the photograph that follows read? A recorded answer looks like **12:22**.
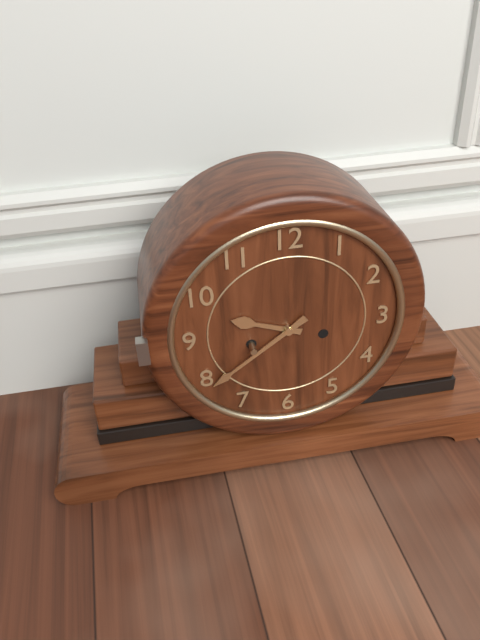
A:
**9:39**
